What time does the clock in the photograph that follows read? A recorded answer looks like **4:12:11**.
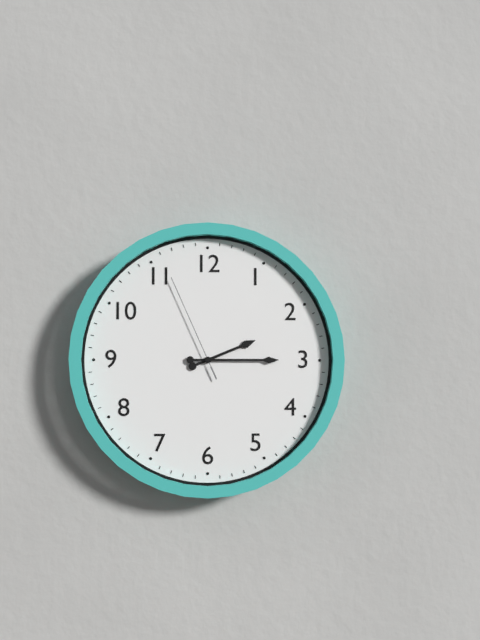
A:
**2:15:56**
